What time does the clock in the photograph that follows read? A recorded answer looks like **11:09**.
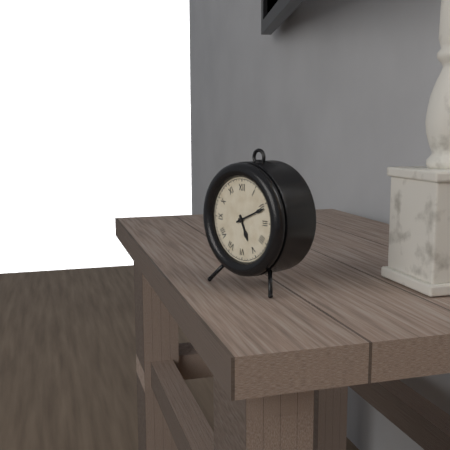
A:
**5:11**
